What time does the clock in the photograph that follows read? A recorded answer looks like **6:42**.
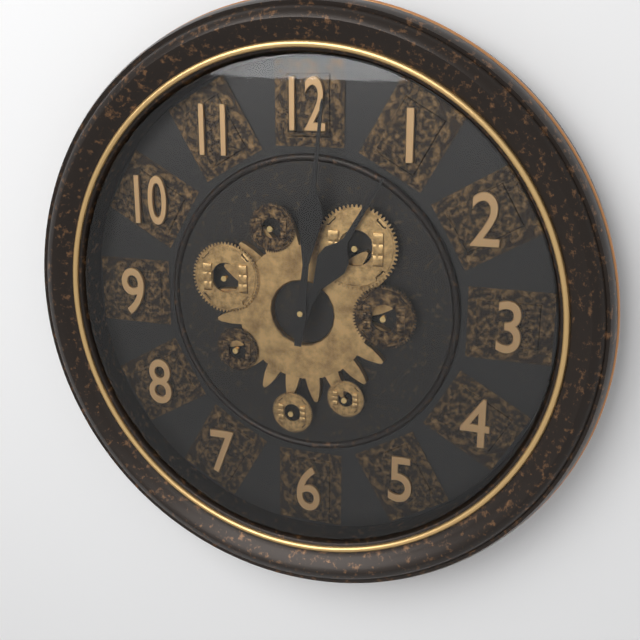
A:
**1:01**
